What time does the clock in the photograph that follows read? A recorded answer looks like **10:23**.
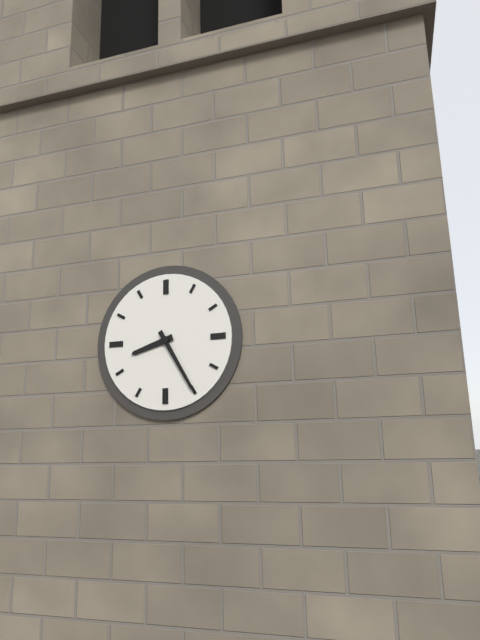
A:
**8:25**
